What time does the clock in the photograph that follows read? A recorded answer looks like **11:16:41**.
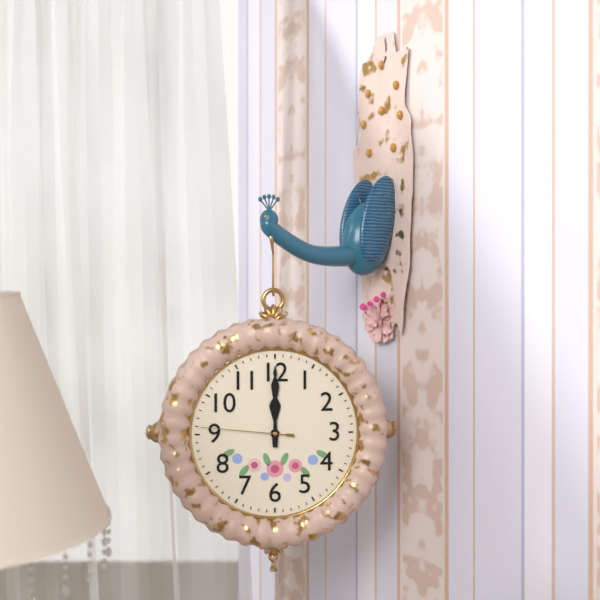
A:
**12:00:46**
